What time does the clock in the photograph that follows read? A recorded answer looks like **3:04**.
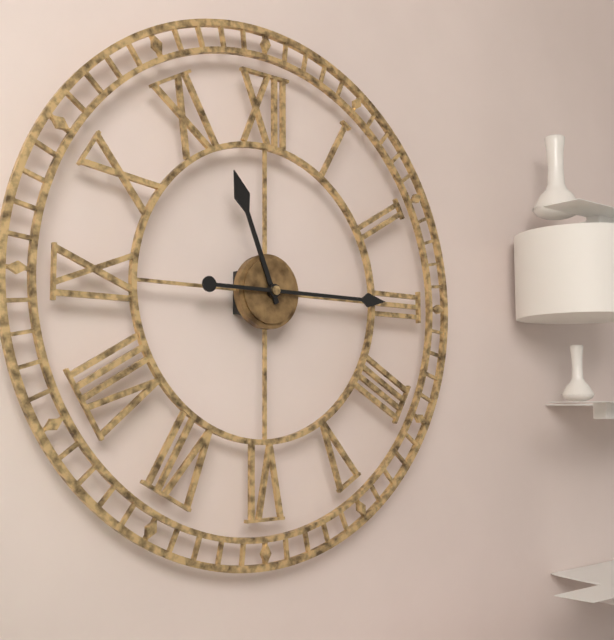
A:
**11:15**
